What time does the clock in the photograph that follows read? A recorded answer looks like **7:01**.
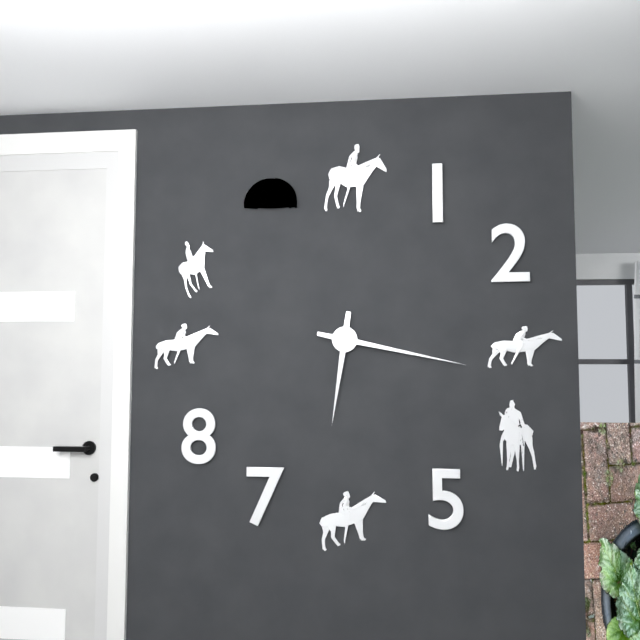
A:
**6:17**
